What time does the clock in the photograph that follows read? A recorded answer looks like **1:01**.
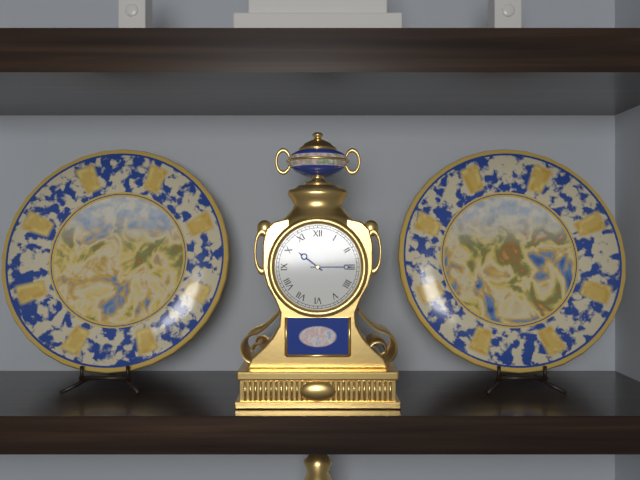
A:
**10:15**
